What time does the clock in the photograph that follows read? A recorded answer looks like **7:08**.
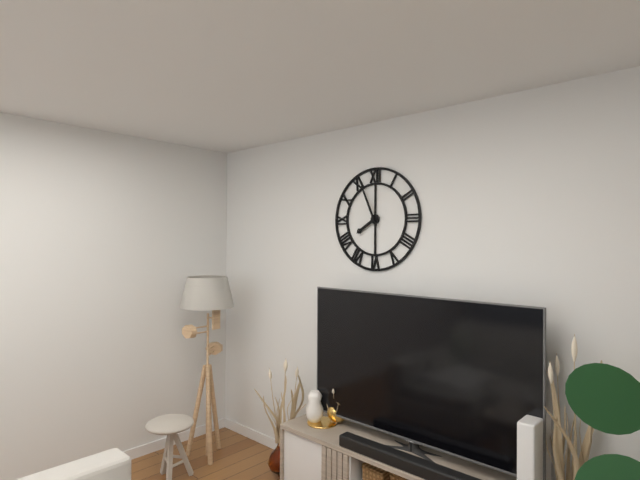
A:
**7:56**
